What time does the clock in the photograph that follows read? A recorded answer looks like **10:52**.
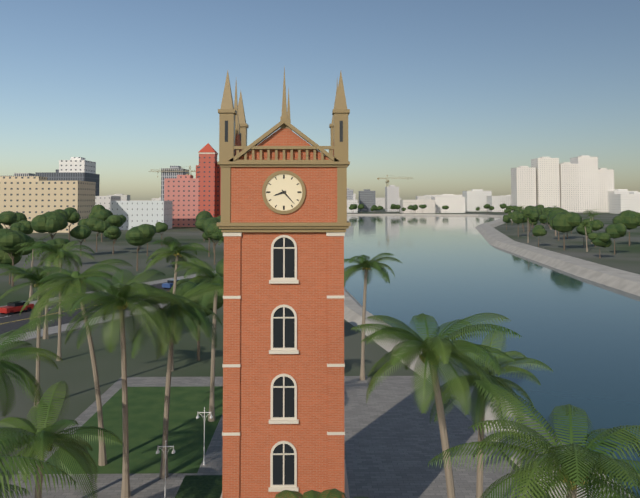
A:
**8:23**
